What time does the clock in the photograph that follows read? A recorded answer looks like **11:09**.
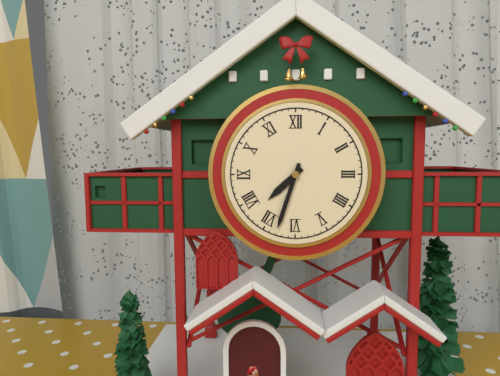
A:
**7:33**
